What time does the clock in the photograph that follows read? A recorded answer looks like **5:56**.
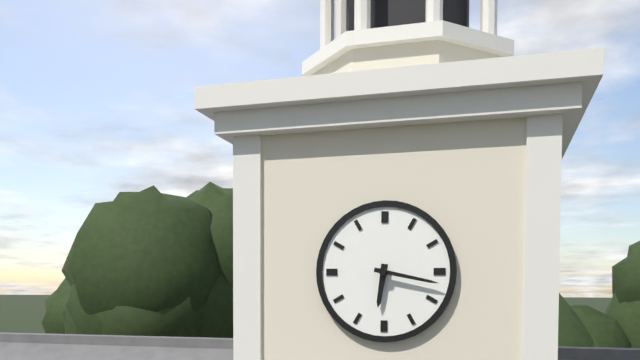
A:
**6:17**
